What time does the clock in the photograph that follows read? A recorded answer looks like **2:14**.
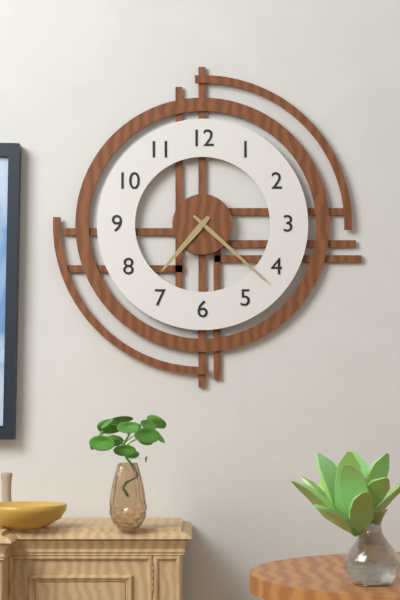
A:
**7:22**
